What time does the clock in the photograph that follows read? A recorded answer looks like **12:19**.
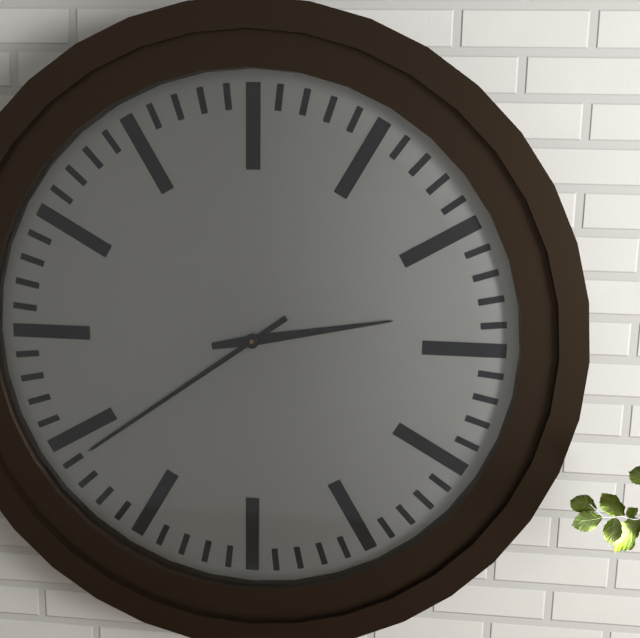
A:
**2:39**
